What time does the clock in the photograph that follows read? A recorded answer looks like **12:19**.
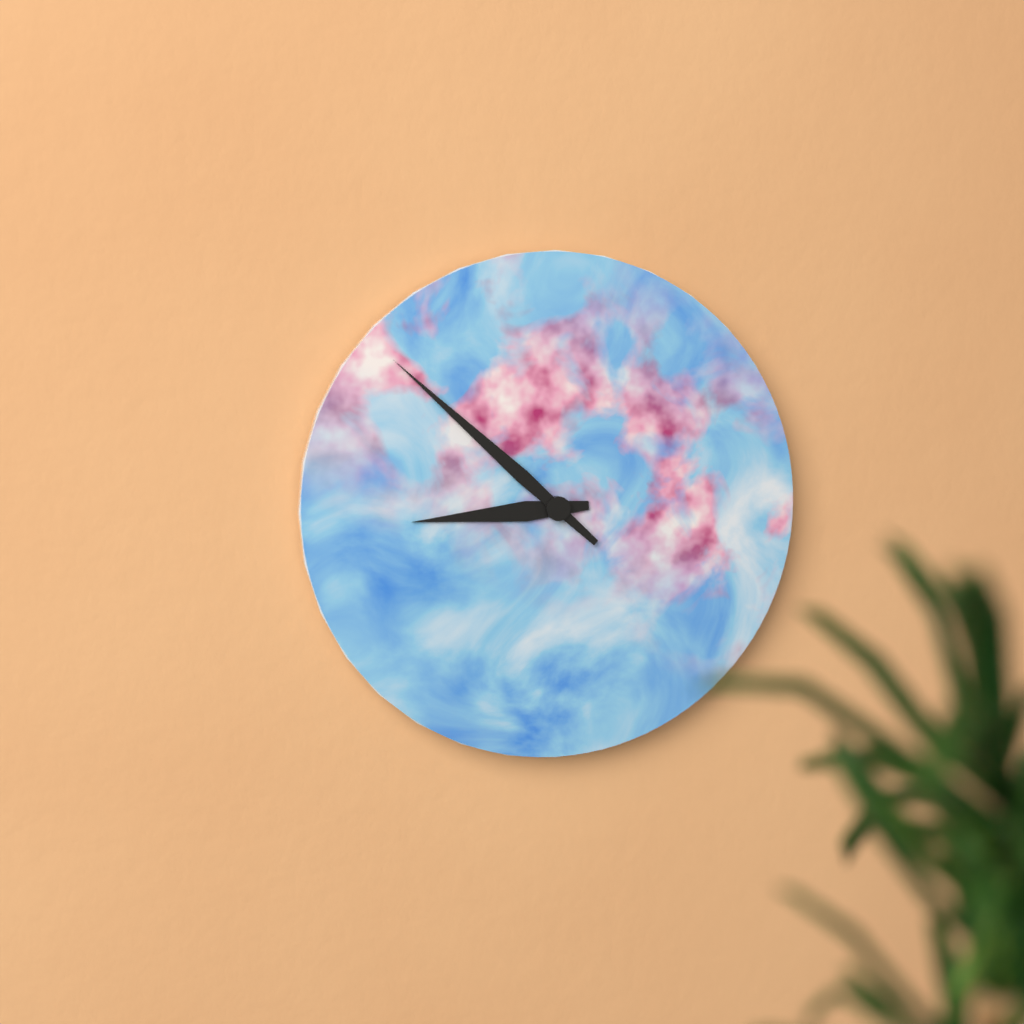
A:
**8:52**
